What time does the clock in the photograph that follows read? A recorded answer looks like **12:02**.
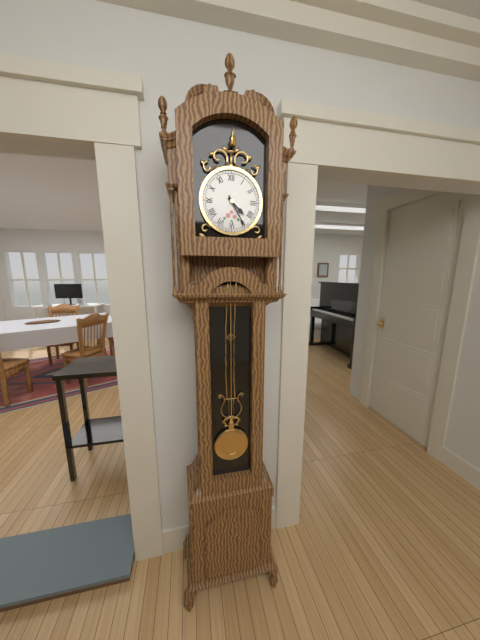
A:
**4:25**
